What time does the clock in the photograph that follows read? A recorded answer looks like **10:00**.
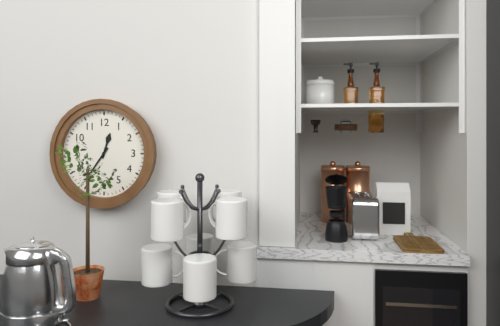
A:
**12:36**
